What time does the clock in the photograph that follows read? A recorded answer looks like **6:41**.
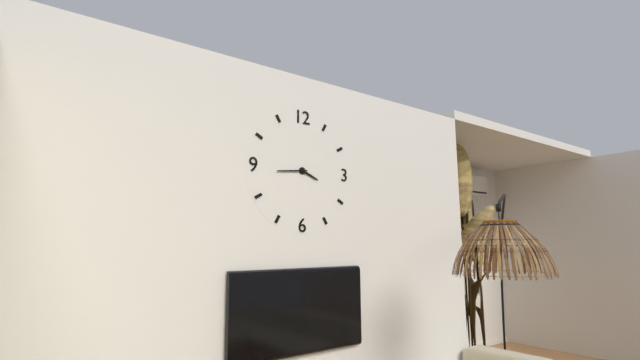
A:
**3:44**
